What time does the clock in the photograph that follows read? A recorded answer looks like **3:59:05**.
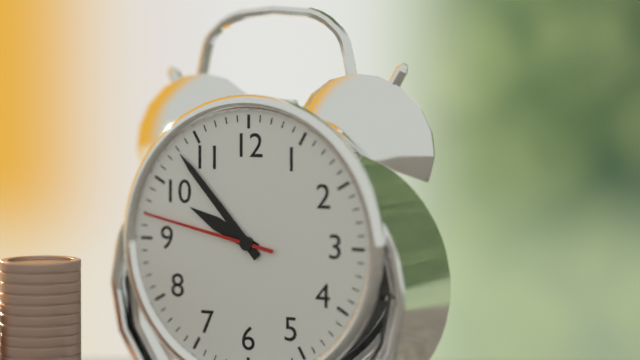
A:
**9:53:47**
